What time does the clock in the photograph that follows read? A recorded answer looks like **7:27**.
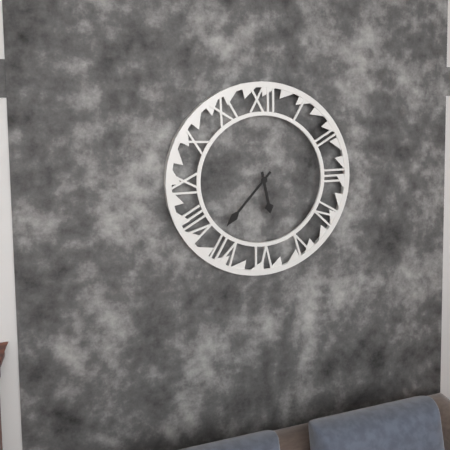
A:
**5:37**
